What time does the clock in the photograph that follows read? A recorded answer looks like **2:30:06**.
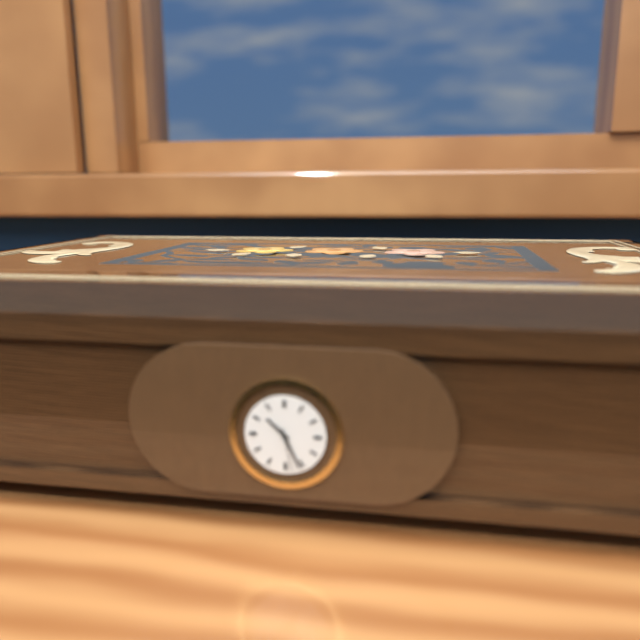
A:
**10:26:28**
